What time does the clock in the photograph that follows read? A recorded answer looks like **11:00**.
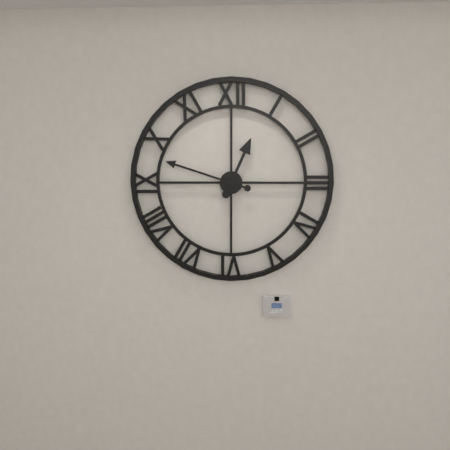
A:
**12:48**
